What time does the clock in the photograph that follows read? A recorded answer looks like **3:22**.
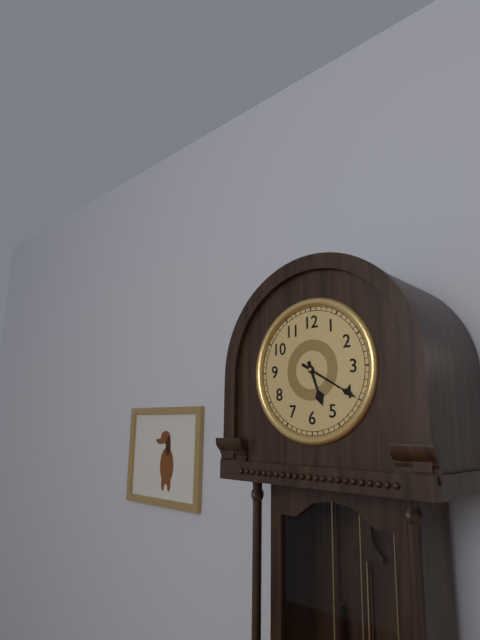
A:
**5:20**
